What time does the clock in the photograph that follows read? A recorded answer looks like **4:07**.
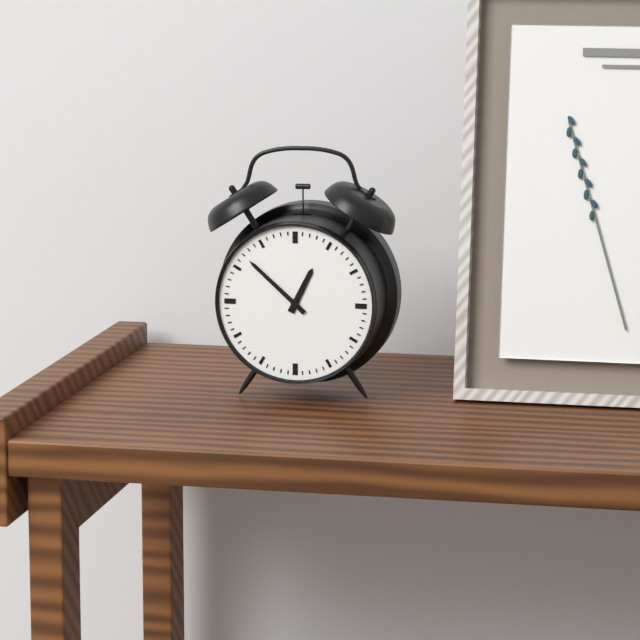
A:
**12:52**
